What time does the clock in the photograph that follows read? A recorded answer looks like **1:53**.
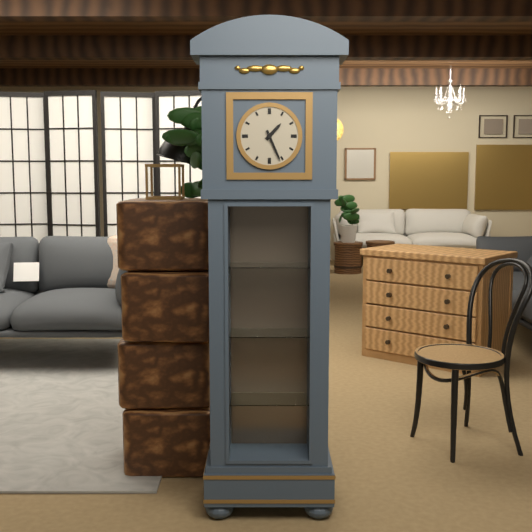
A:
**1:26**
